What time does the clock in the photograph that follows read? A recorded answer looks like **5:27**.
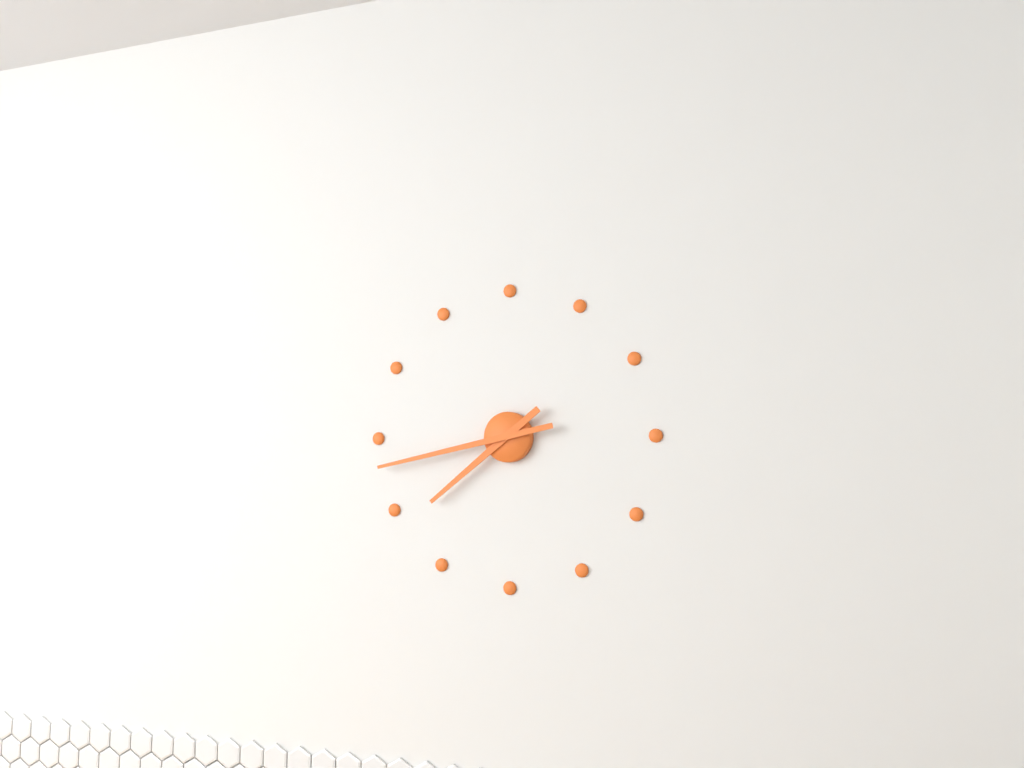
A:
**7:43**
